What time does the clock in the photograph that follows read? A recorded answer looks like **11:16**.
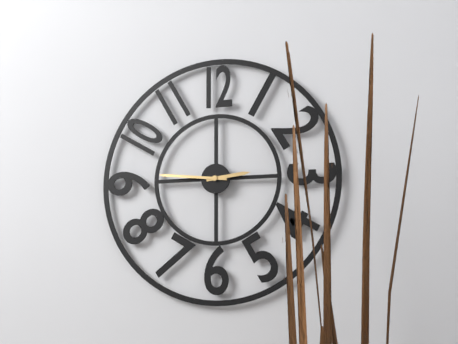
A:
**2:46**
